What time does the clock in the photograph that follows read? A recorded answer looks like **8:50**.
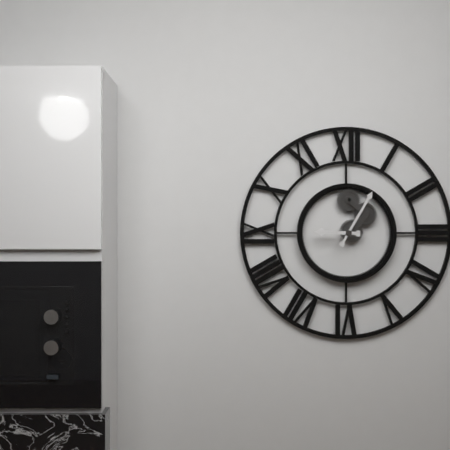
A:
**9:05**
